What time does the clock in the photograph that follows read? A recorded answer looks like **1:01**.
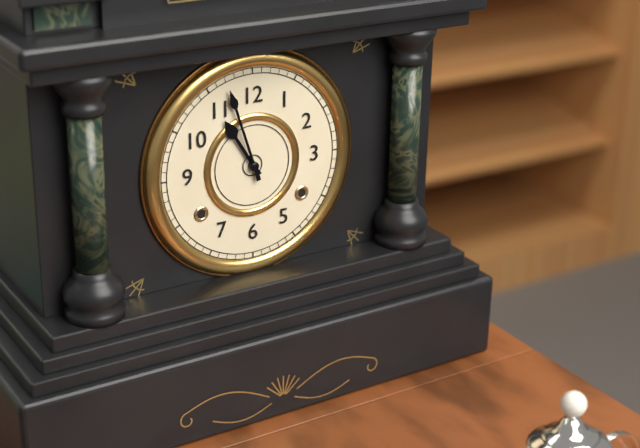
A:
**10:57**
